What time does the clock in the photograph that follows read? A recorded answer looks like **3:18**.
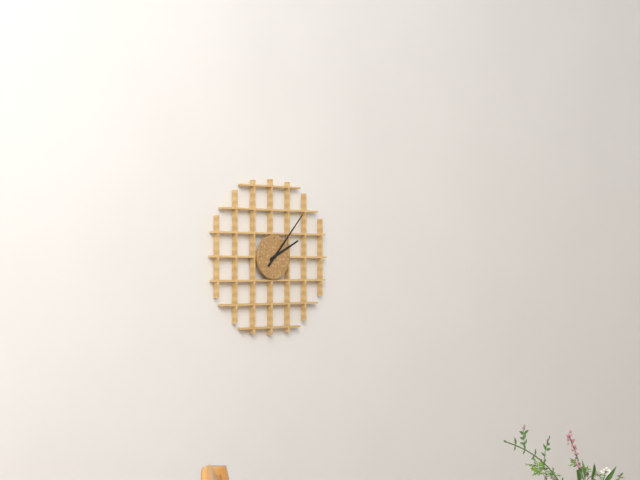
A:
**2:07**
